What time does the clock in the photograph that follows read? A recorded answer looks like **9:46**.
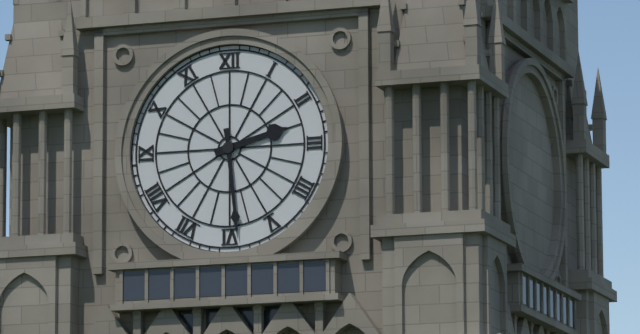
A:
**2:29**
